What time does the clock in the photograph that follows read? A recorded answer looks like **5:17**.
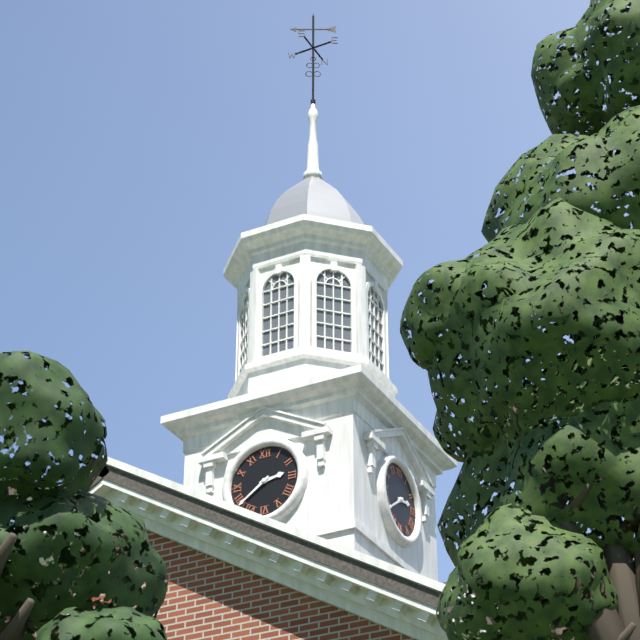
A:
**2:39**
